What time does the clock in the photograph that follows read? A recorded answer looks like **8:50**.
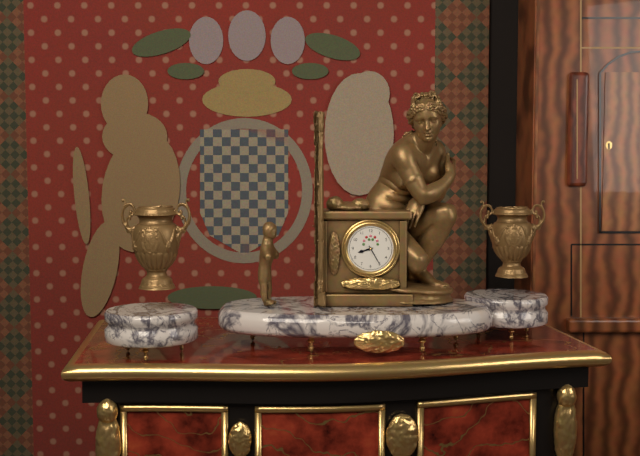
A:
**8:25**
